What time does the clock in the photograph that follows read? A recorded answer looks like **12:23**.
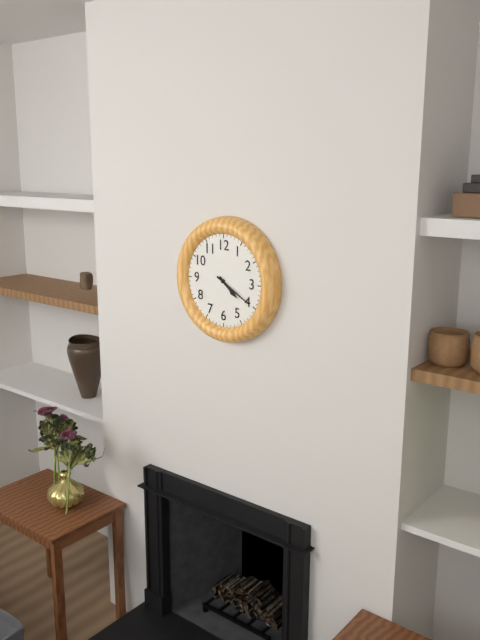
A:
**4:20**
